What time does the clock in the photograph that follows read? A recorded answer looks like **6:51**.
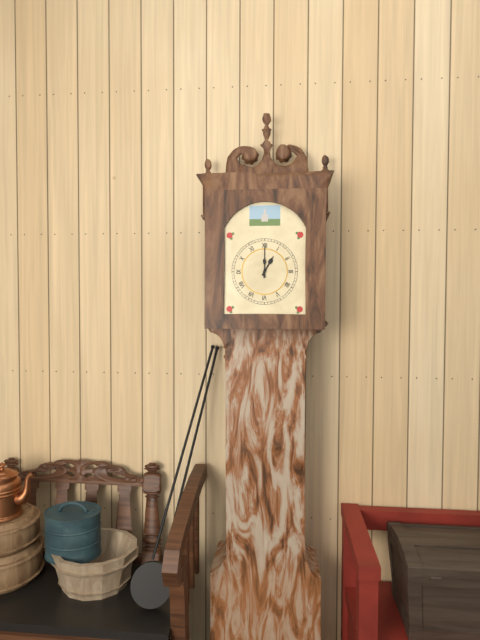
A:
**1:00**
